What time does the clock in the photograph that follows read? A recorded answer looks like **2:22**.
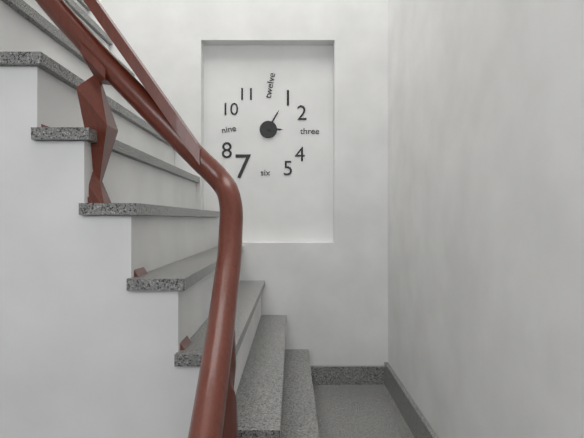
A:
**3:05**
